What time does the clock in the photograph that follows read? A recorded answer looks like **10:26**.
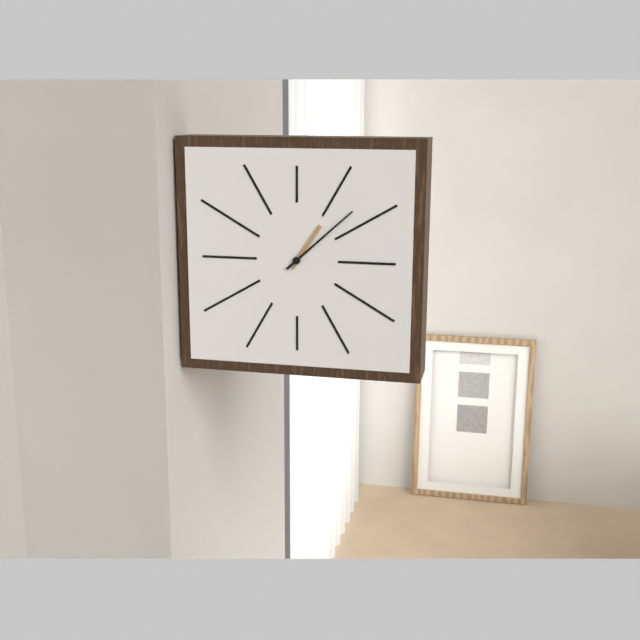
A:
**1:08**
